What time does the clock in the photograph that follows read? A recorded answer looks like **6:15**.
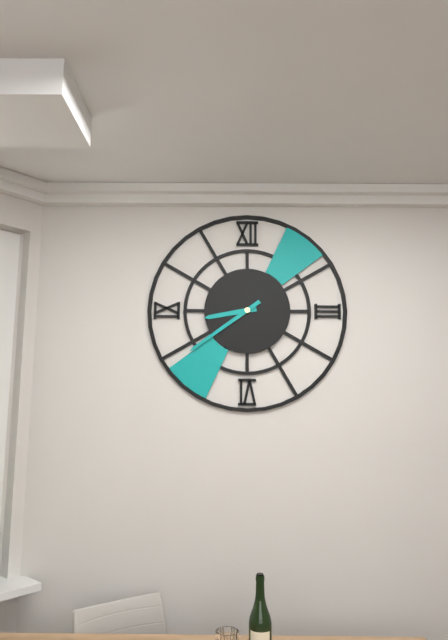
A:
**8:39**
